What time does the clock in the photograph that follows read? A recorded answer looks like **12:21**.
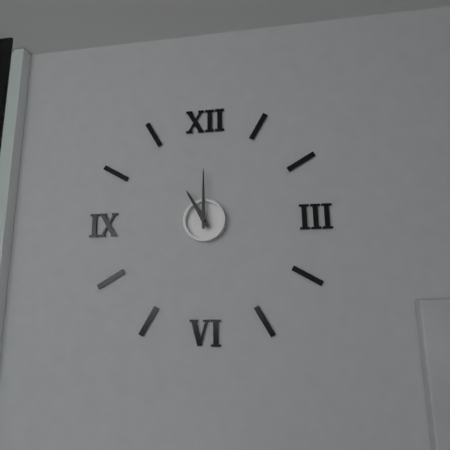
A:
**11:00**
